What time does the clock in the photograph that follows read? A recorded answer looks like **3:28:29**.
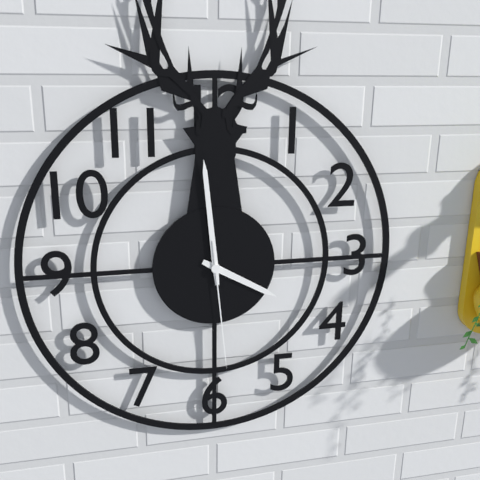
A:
**3:59:29**
